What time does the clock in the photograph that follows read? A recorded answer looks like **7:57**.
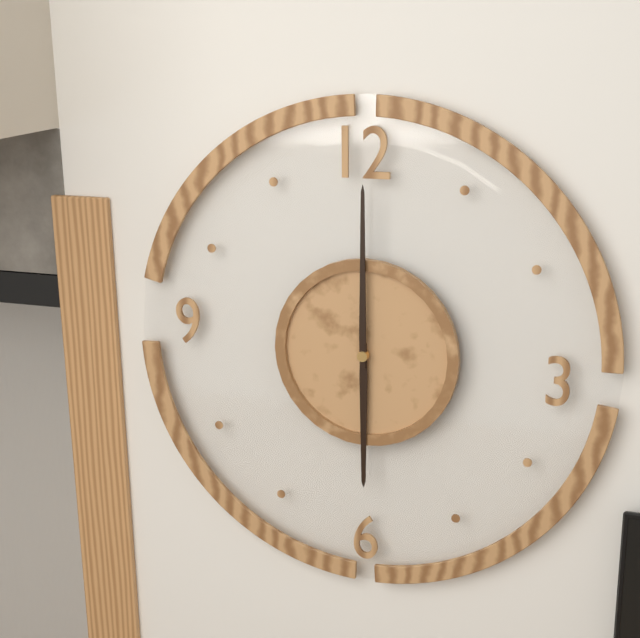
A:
**6:00**
